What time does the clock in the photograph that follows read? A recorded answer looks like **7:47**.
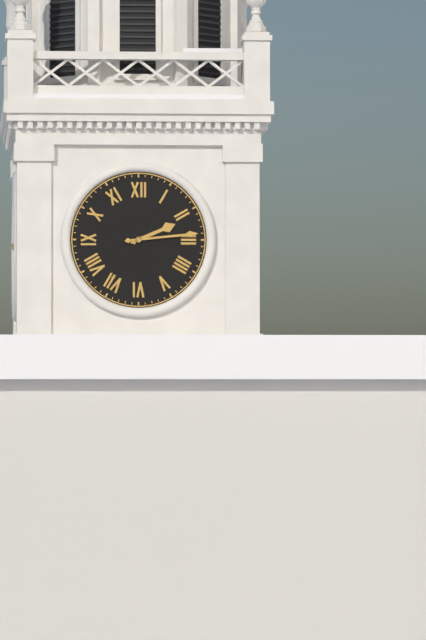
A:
**2:14**
